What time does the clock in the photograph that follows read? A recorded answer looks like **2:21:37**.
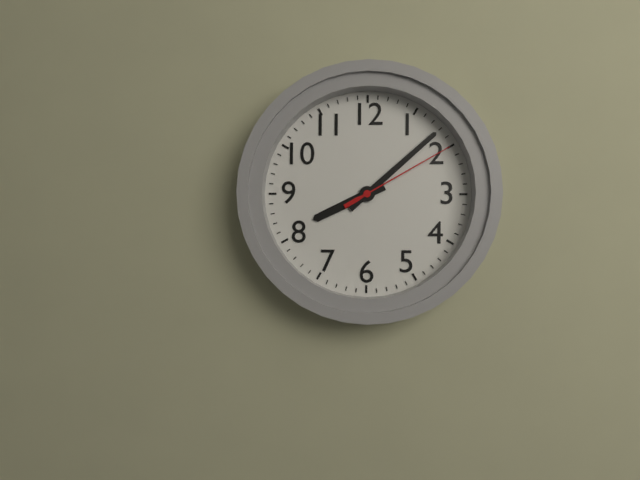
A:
**8:08:10**
